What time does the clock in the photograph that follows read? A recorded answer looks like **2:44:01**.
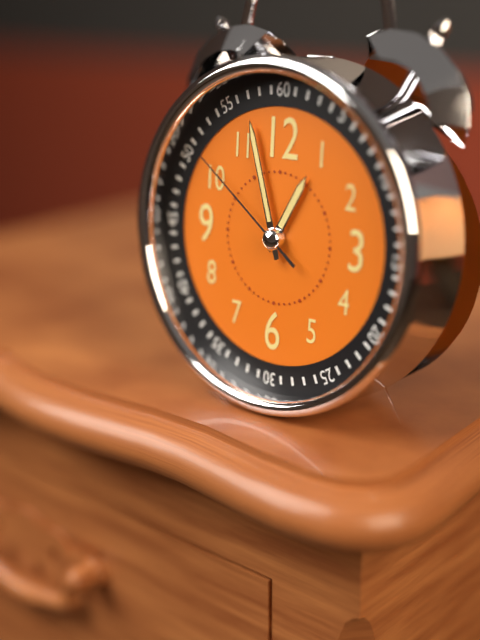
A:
**12:57:51**
